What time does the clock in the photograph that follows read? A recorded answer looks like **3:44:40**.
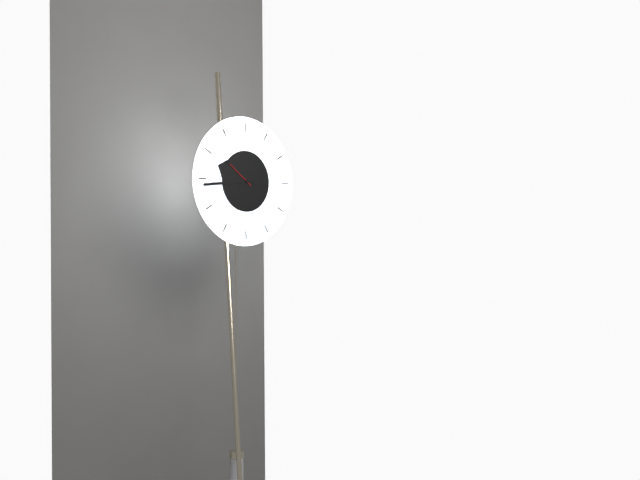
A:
**9:44:51**
